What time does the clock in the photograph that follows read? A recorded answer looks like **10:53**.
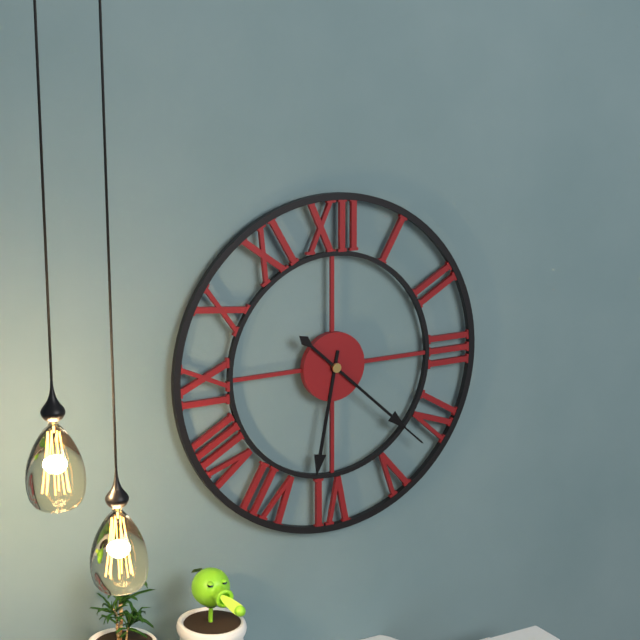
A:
**6:22**
